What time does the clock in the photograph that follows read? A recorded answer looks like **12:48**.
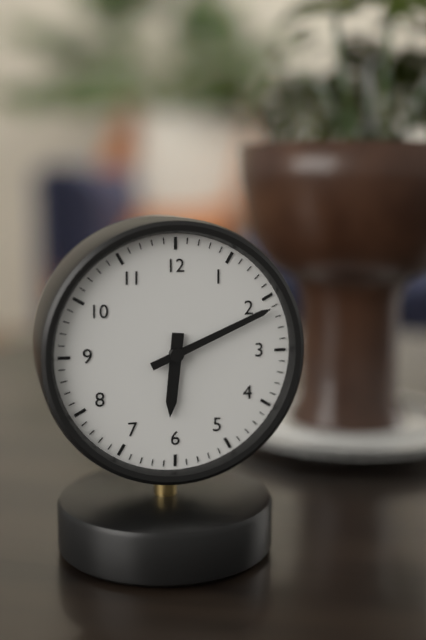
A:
**6:11**
